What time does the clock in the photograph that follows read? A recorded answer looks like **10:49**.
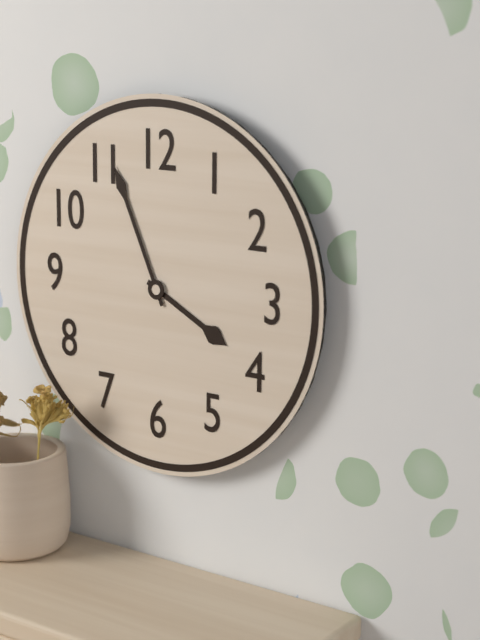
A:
**3:56**
